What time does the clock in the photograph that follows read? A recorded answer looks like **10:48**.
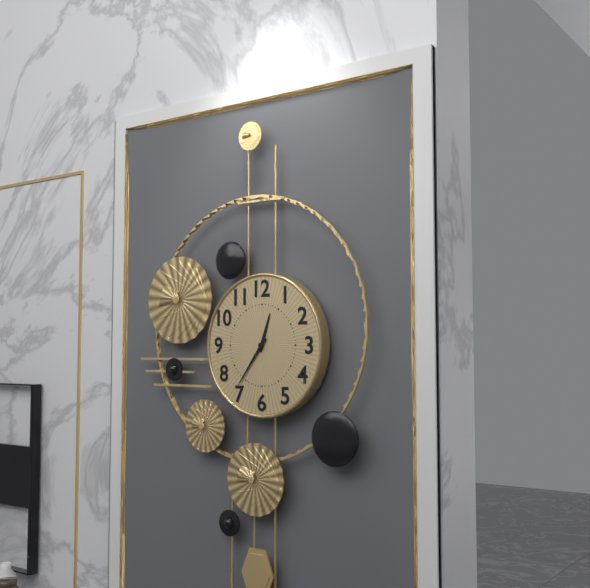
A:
**12:36**
